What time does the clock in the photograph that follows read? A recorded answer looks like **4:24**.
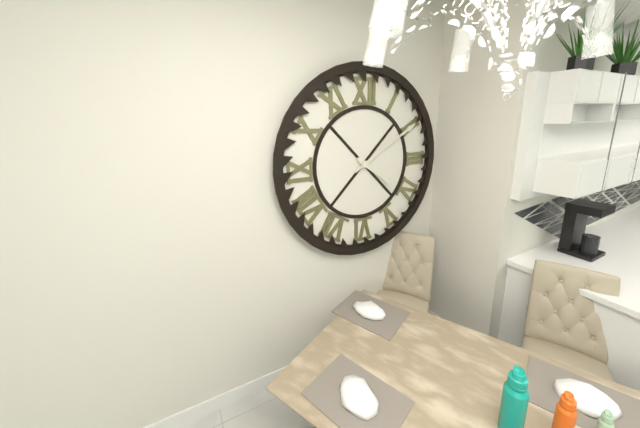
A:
**4:10**
